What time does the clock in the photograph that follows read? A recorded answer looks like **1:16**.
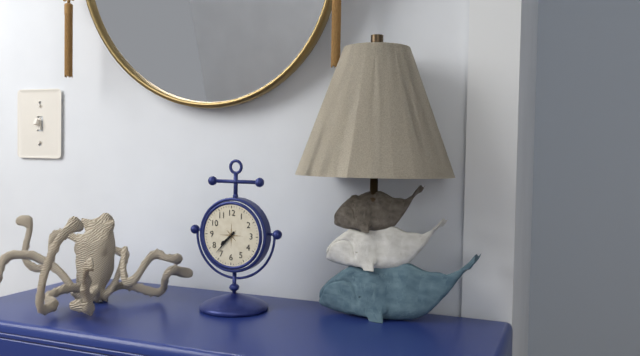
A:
**7:37**
